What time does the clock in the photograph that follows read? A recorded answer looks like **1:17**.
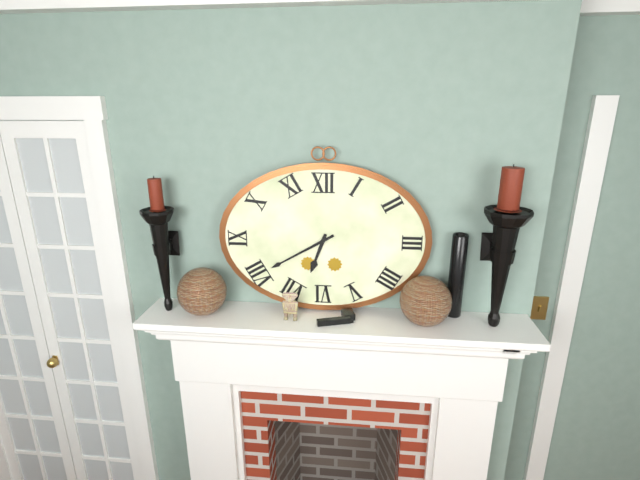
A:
**6:40**
